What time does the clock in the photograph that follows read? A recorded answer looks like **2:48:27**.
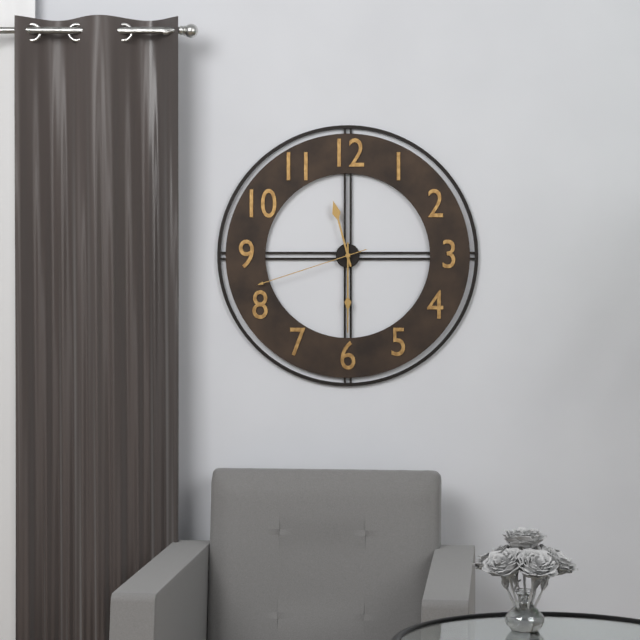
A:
**11:30:42**
